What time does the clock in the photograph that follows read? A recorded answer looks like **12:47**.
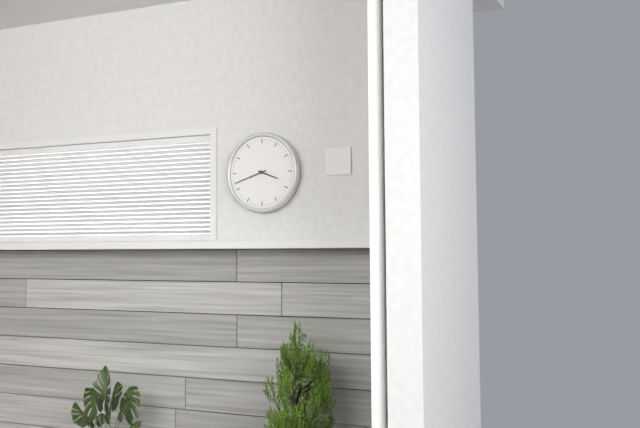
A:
**3:42**
